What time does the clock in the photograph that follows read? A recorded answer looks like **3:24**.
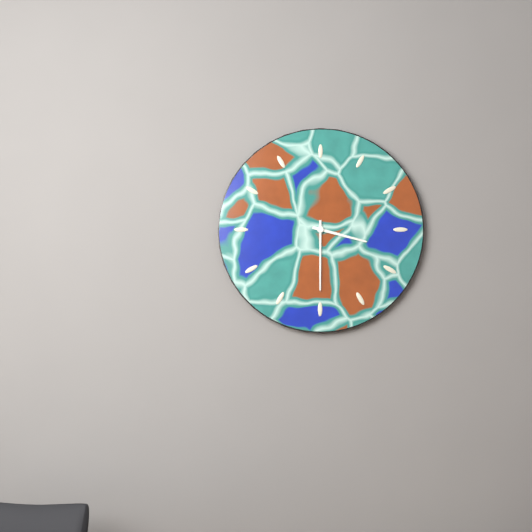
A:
**3:30**
